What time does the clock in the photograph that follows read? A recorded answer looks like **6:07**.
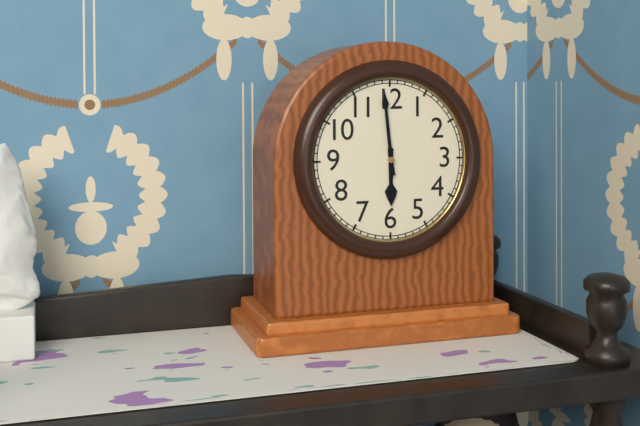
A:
**5:59**
